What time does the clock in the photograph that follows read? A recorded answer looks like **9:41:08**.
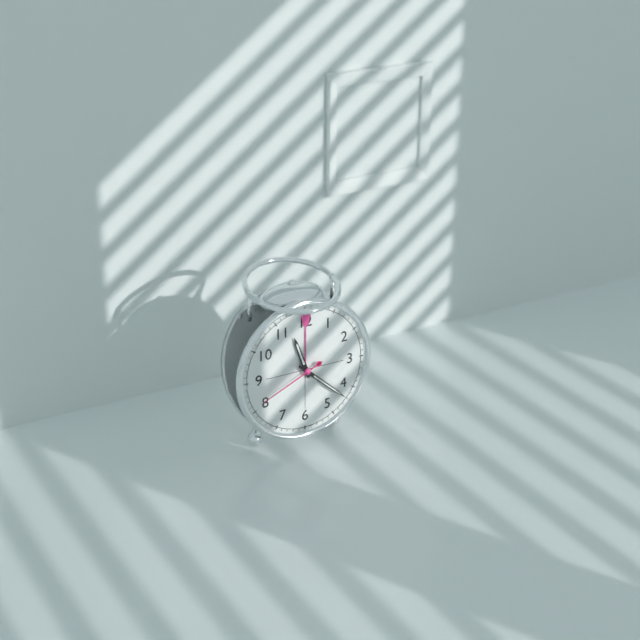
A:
**11:22:41**
